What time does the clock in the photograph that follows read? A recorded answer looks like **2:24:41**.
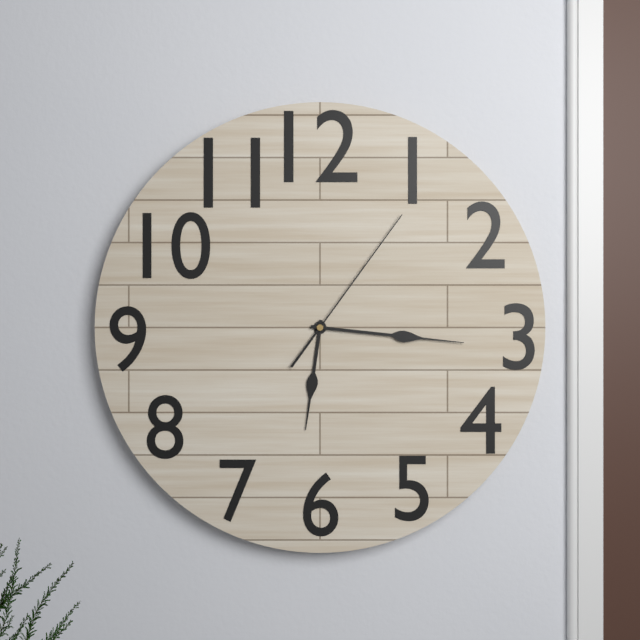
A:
**6:16:06**
